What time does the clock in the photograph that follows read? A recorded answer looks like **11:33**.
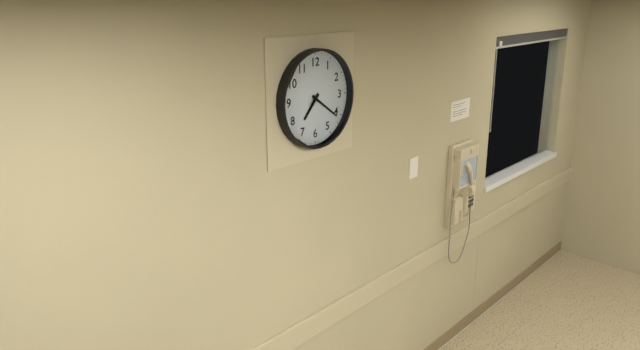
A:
**7:21**
